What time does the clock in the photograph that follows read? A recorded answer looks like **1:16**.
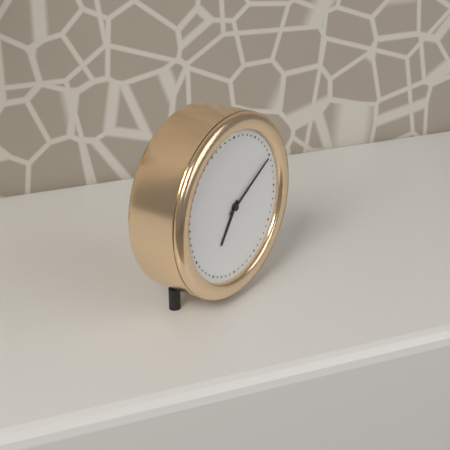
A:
**7:10**
